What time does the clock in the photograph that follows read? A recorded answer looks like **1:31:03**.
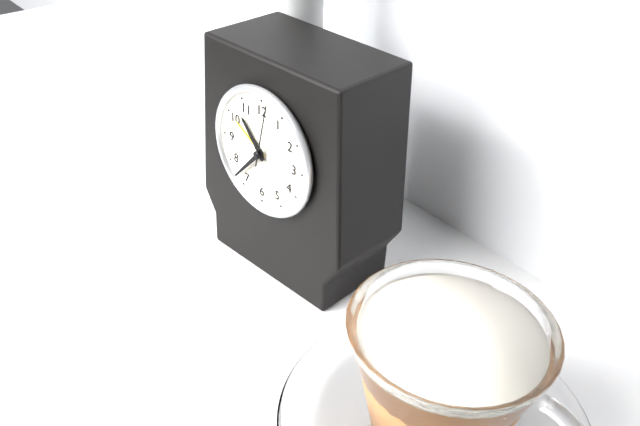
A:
**10:37:02**
